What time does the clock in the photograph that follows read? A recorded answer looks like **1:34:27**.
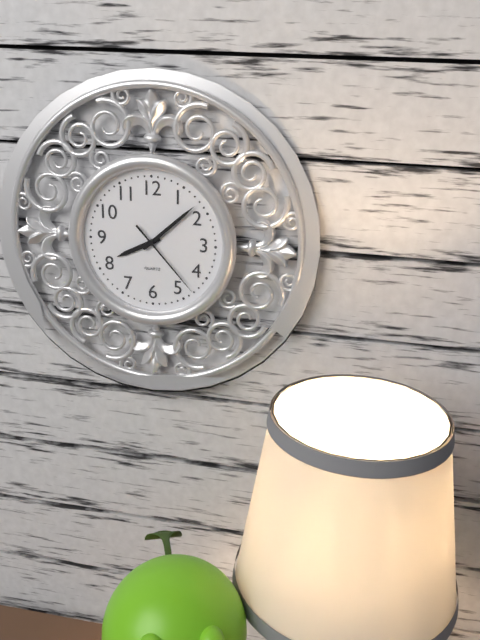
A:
**8:08:23**
